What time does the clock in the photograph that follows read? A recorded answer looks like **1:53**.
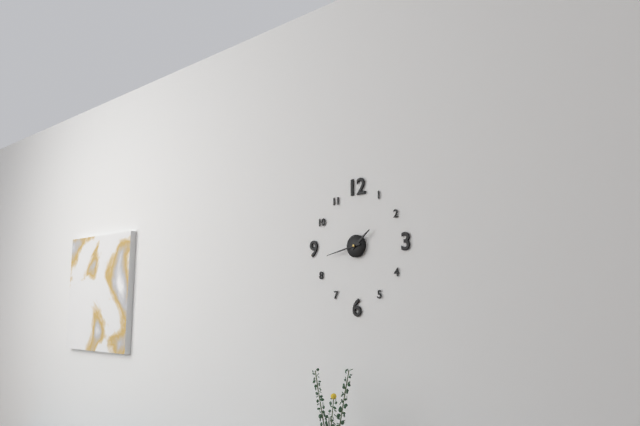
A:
**1:43**
